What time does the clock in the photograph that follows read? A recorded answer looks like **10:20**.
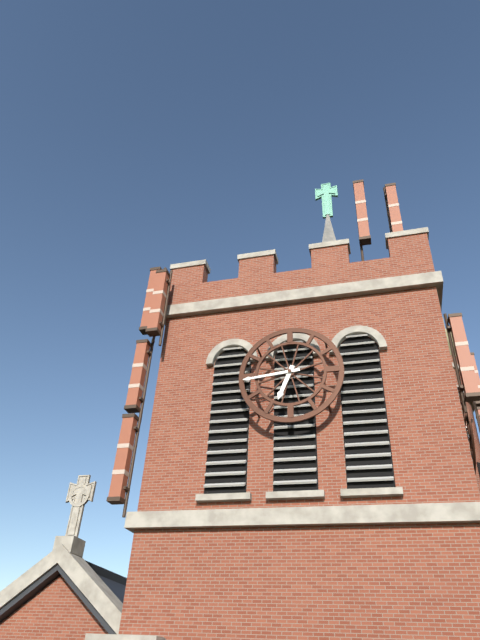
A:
**6:44**
